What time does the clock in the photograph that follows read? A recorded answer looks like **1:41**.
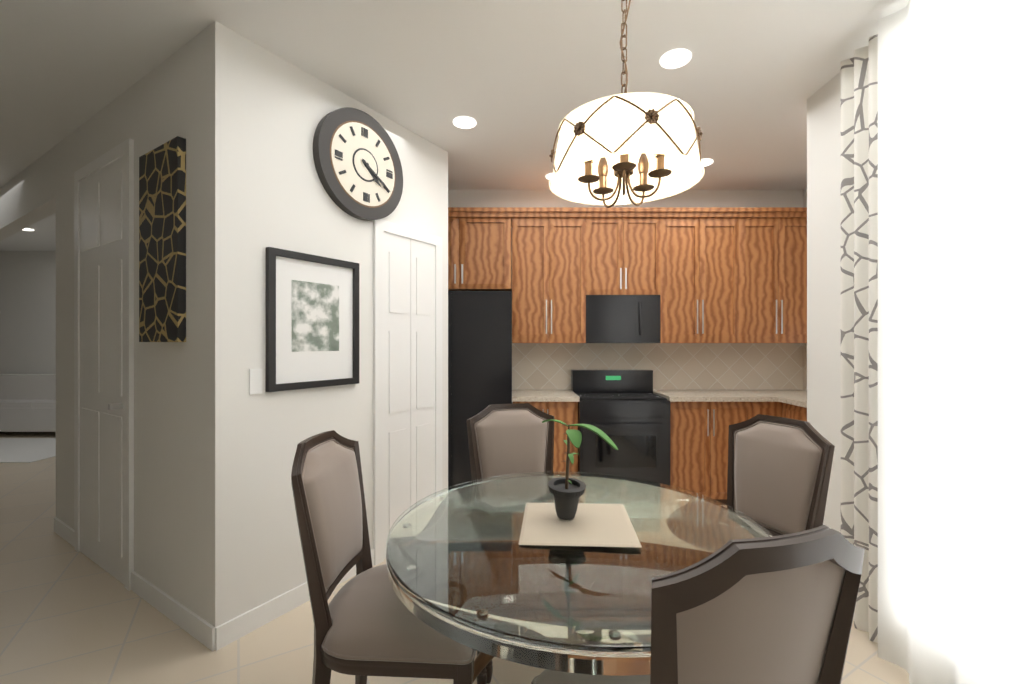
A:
**4:20**
